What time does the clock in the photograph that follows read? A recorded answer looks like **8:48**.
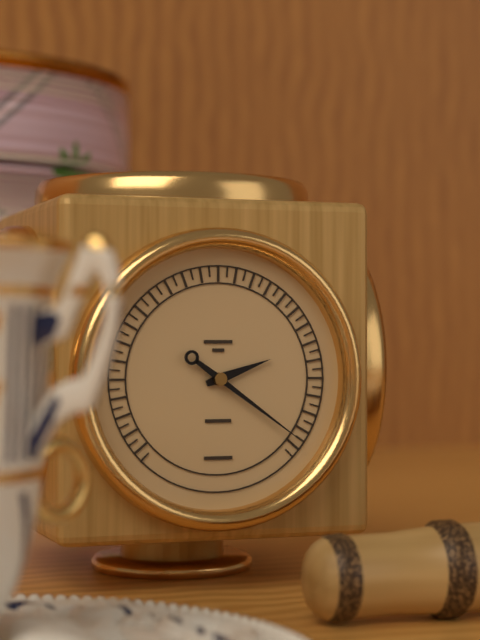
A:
**2:21**
